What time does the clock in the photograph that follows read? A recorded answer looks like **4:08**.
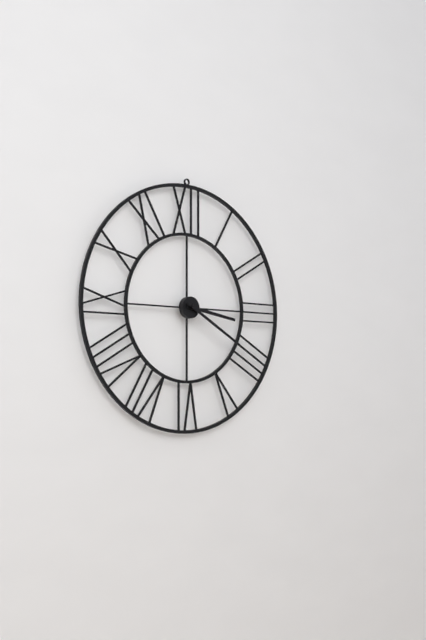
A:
**3:20**
